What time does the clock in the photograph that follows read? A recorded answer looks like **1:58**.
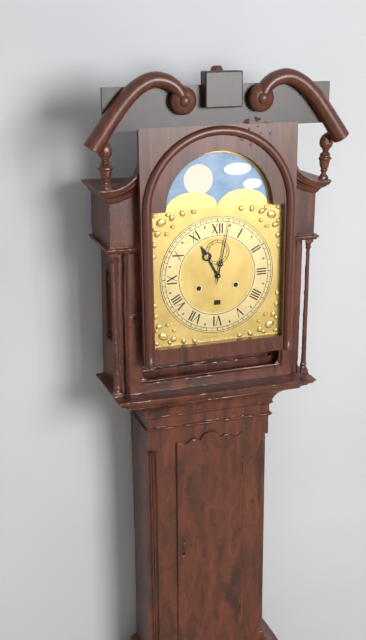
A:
**11:02**
